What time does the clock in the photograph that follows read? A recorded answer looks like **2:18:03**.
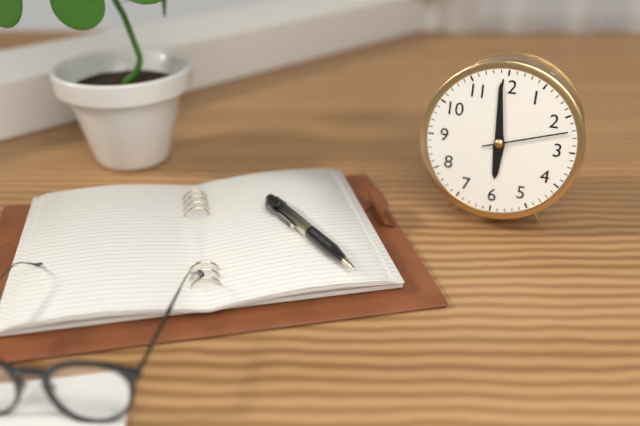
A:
**5:59:12**
